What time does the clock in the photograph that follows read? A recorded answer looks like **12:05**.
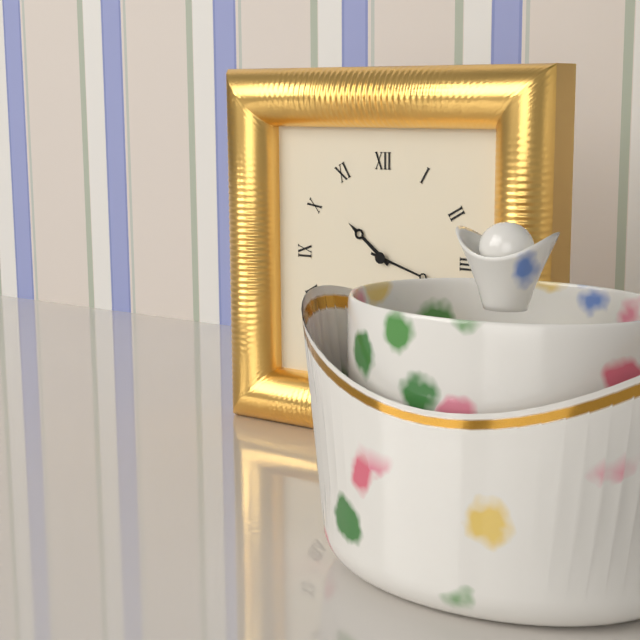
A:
**10:18**
